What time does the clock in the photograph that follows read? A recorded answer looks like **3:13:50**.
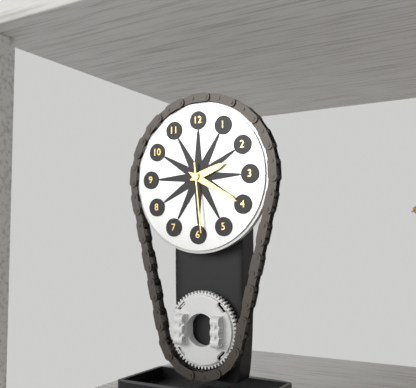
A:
**2:20:29**
